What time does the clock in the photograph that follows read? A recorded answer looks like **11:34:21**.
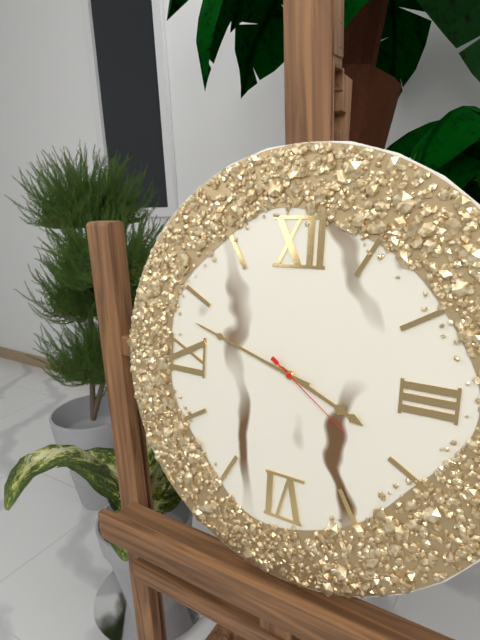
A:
**3:48:21**
